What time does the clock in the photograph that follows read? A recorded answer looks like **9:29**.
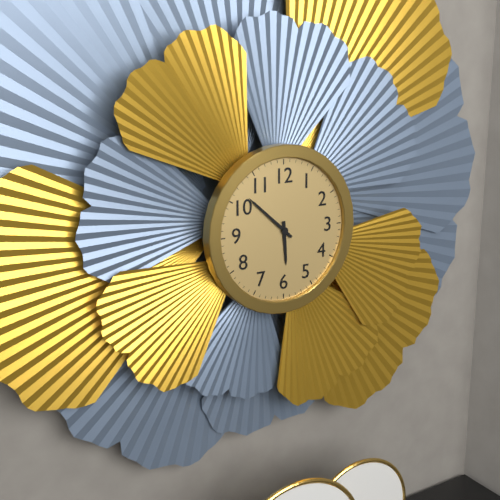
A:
**5:52**
